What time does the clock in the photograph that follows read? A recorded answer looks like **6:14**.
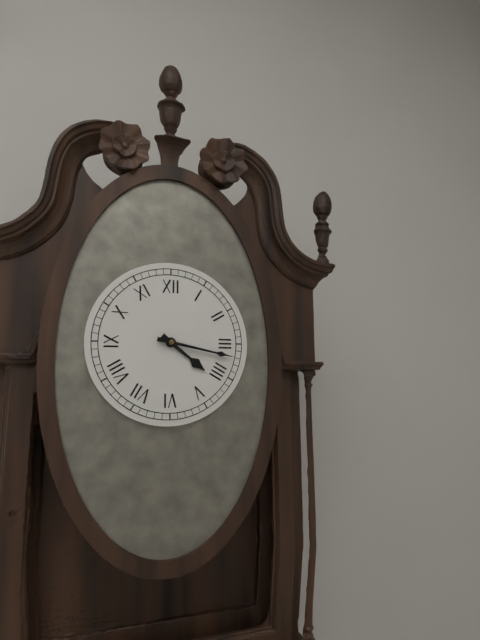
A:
**4:17**
